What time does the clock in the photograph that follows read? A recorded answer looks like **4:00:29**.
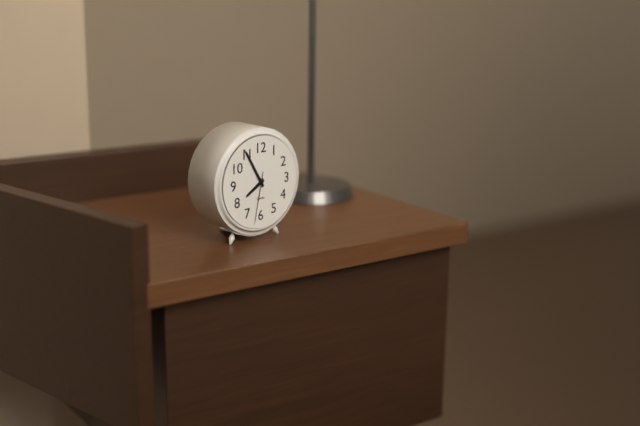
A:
**7:55:32**
